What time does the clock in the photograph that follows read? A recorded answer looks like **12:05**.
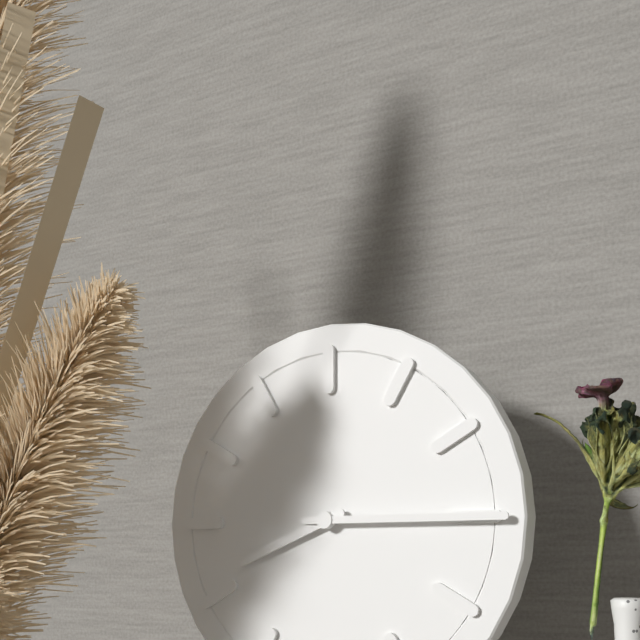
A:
**8:15**
